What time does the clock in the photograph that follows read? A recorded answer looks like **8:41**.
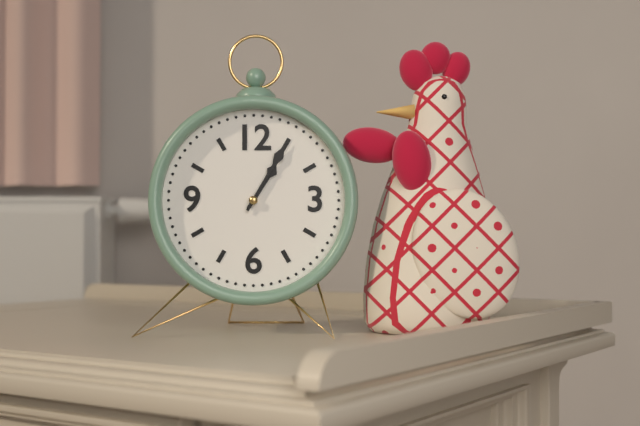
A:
**1:05**
